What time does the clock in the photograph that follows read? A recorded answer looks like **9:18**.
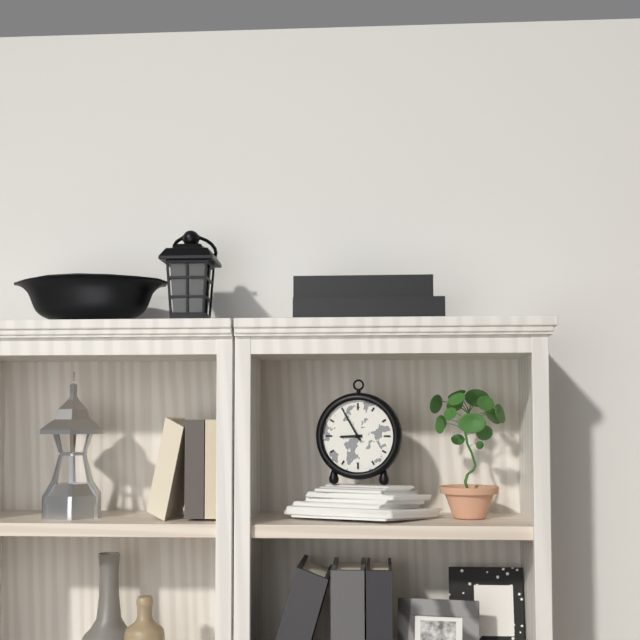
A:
**8:55**
